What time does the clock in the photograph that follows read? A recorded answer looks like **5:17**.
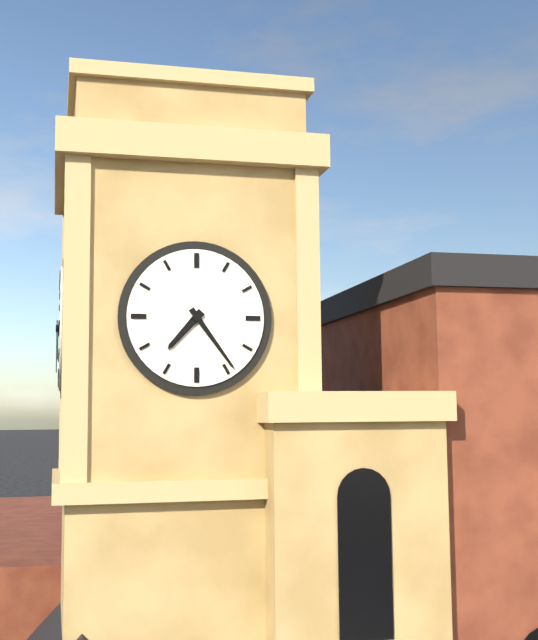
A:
**7:24**
